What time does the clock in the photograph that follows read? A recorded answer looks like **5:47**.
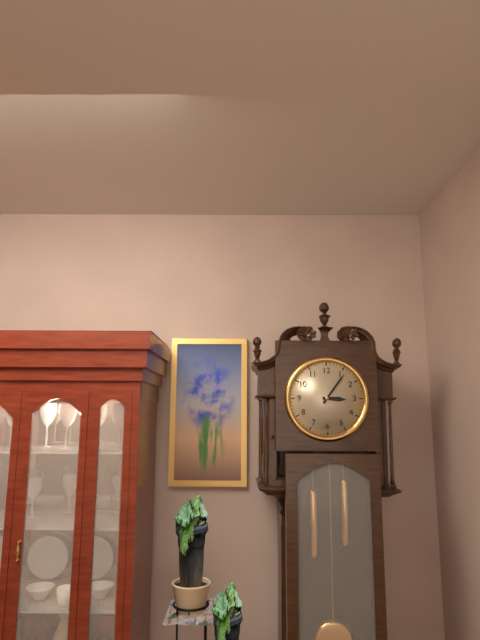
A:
**3:06**
